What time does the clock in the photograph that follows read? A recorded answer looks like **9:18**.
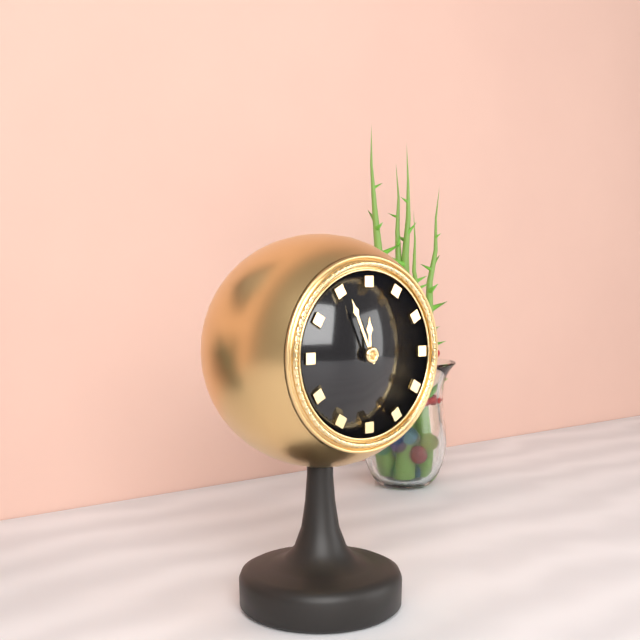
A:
**11:56**
